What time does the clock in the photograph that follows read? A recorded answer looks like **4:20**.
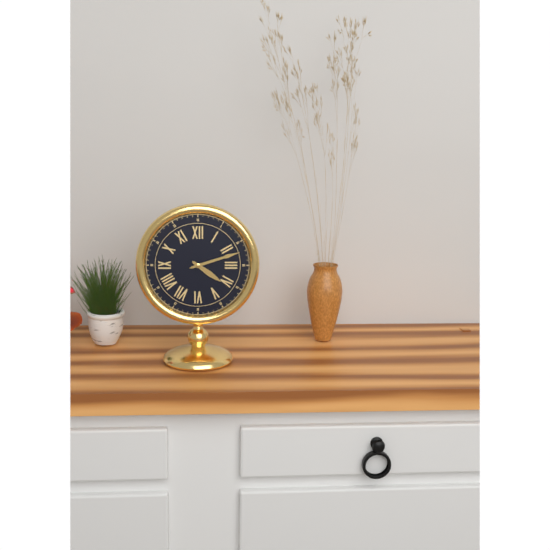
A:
**4:12**
